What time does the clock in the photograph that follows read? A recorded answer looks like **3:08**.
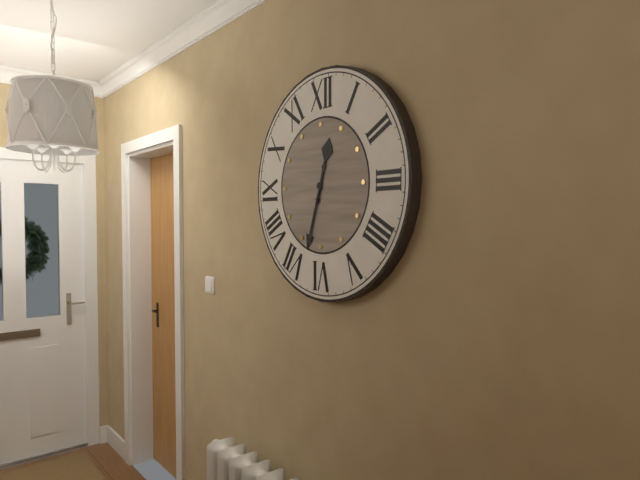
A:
**12:33**
